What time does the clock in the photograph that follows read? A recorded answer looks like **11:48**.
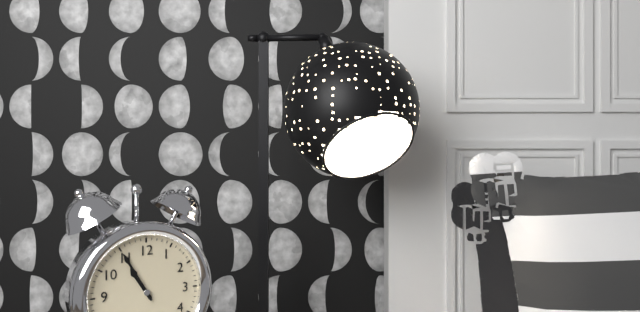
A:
**10:55**
